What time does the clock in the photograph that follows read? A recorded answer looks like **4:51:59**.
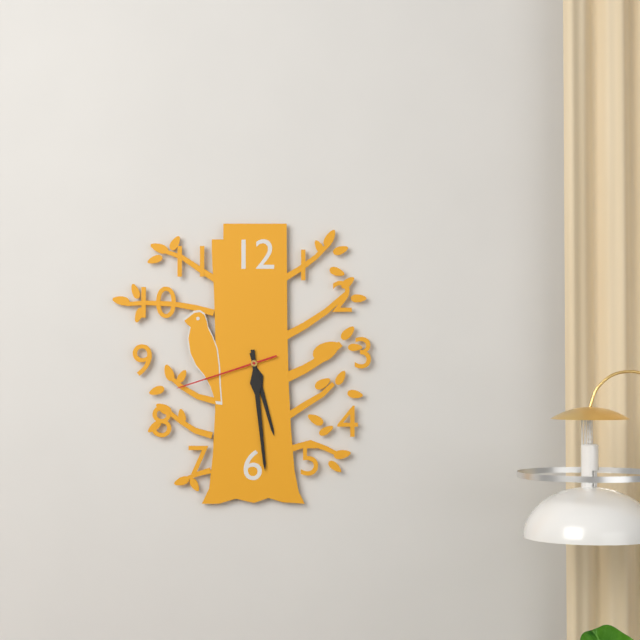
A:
**5:29:42**
